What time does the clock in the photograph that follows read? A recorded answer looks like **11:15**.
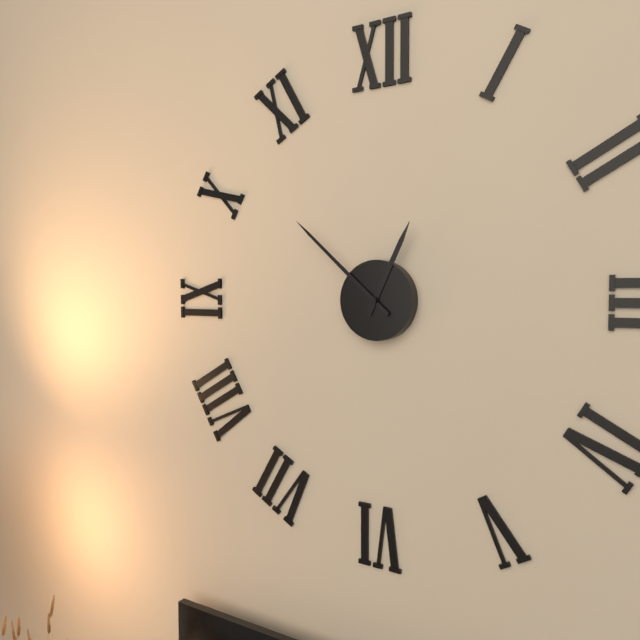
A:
**12:52**
